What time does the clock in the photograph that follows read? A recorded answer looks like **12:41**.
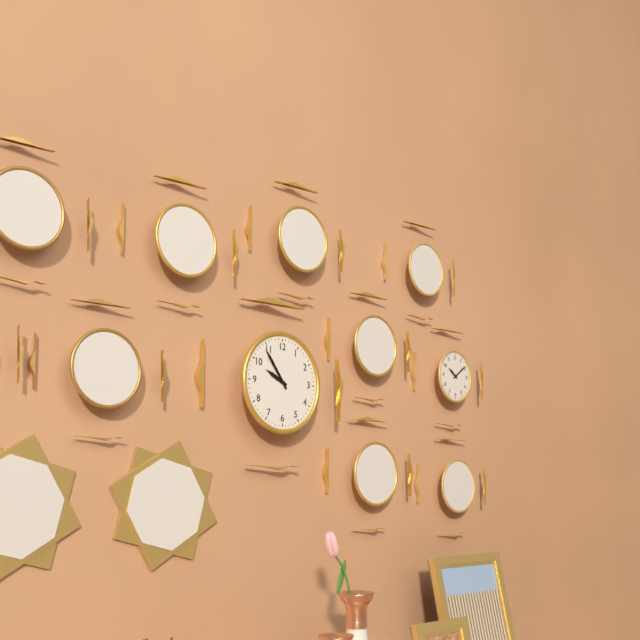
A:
**9:54**
